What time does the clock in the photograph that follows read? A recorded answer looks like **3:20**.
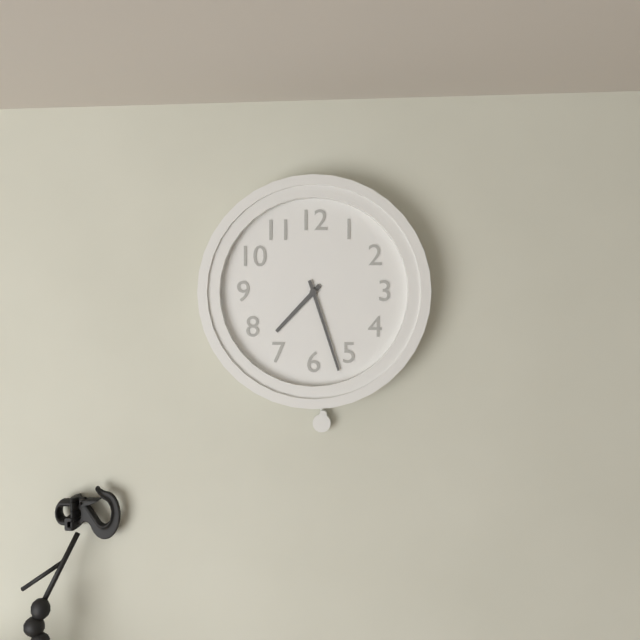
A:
**7:27**
